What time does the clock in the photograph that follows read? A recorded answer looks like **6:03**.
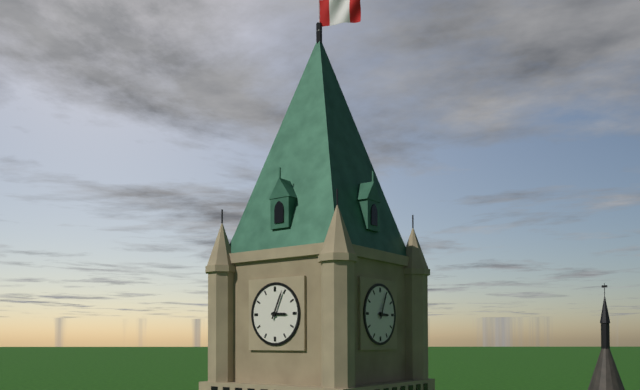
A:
**3:04**
